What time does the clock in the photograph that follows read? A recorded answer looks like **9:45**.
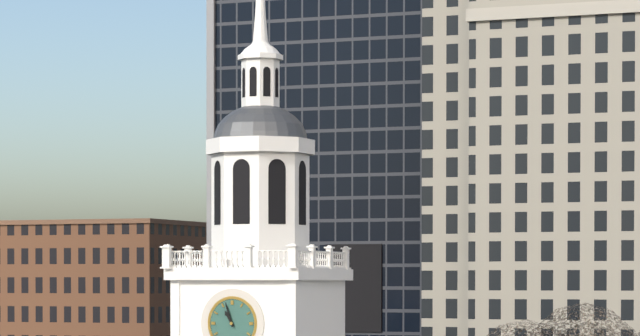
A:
**10:57**
